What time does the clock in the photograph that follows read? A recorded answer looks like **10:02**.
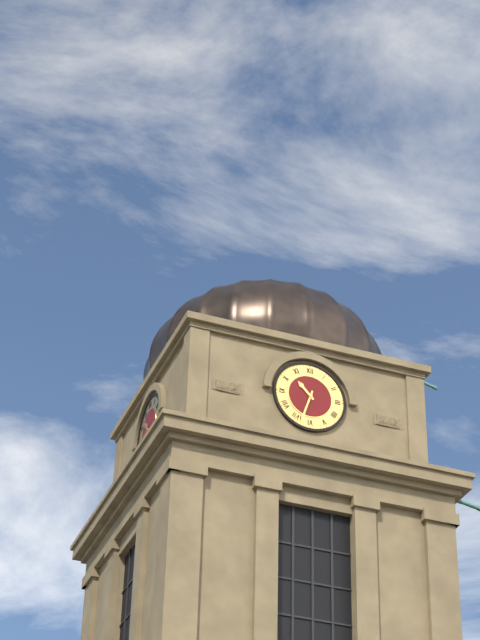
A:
**10:33**
